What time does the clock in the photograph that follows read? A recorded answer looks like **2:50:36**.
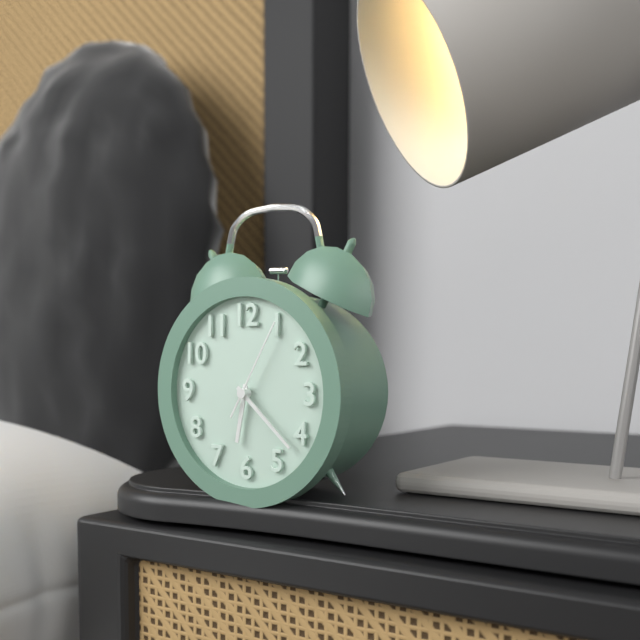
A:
**6:22:05**
